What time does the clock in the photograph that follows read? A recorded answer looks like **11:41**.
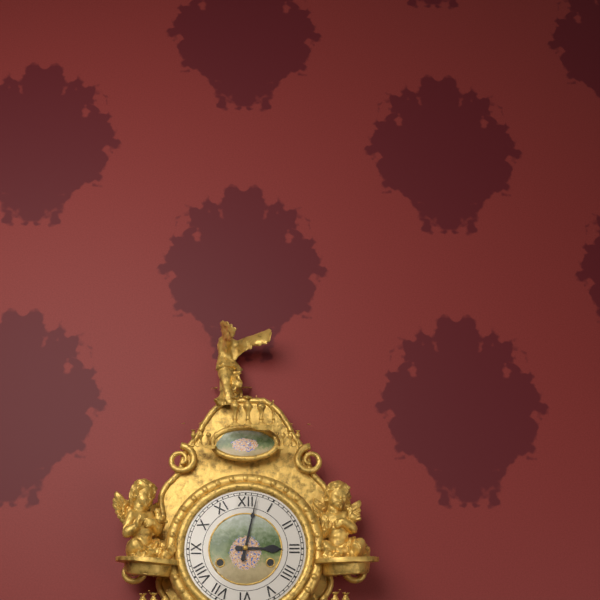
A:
**3:02**
